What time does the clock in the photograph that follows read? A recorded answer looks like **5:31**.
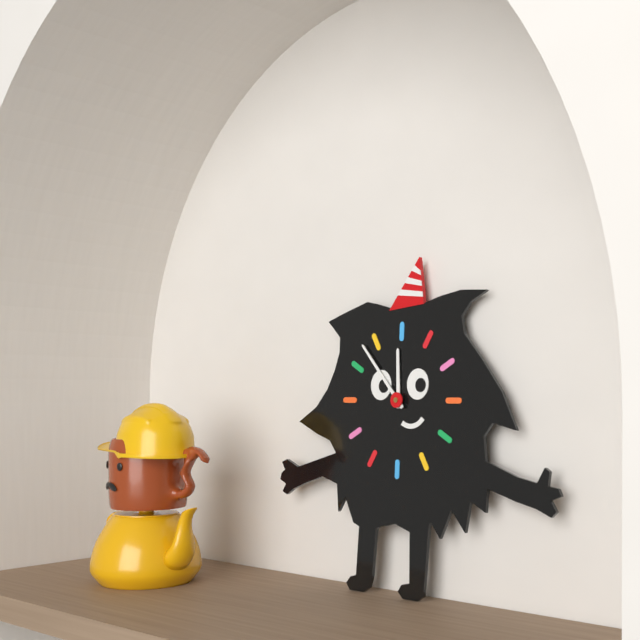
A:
**11:53**
